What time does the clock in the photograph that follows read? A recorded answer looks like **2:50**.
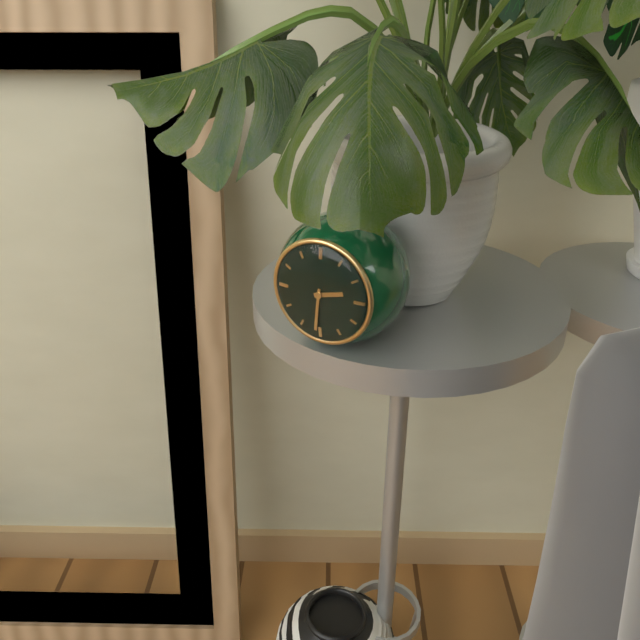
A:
**2:31**
